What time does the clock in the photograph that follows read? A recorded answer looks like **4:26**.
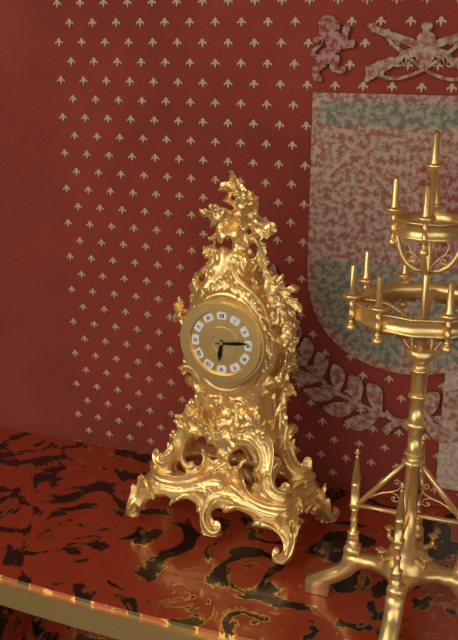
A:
**6:14**
